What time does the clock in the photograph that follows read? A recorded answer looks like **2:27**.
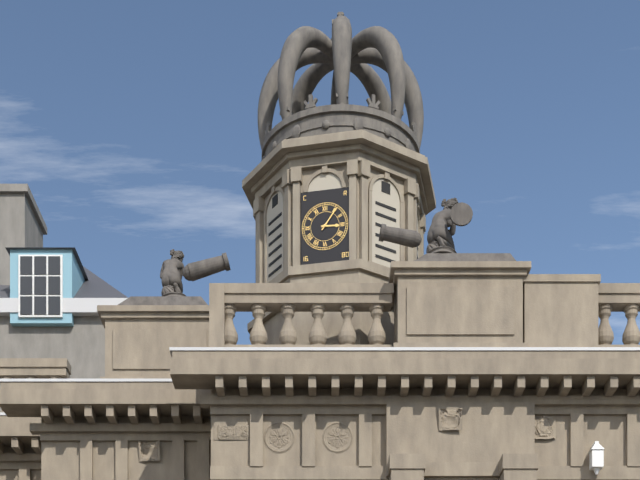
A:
**3:06**
